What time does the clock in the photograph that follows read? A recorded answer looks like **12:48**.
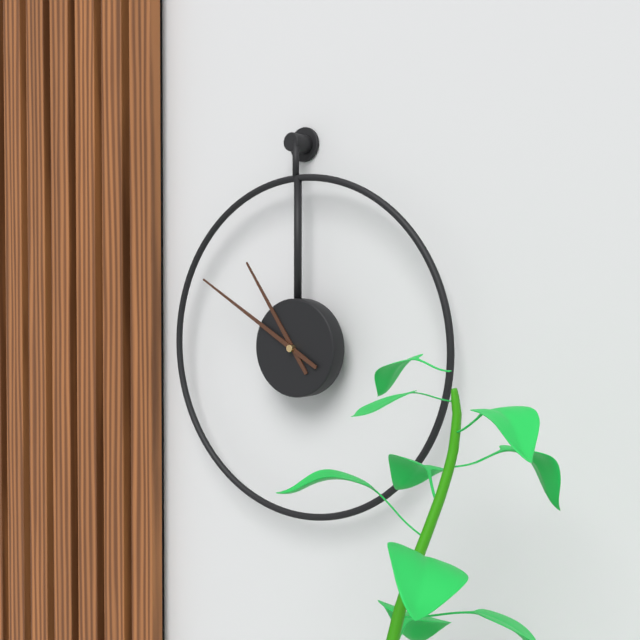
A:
**10:50**
